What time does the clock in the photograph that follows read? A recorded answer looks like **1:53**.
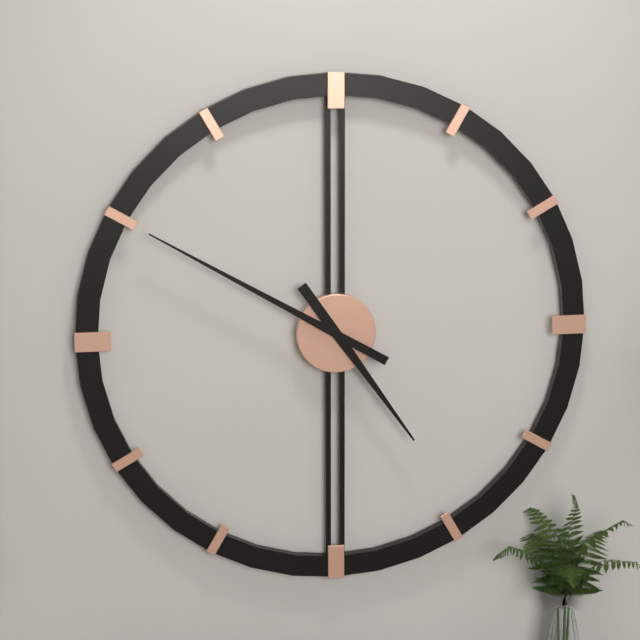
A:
**4:50**
